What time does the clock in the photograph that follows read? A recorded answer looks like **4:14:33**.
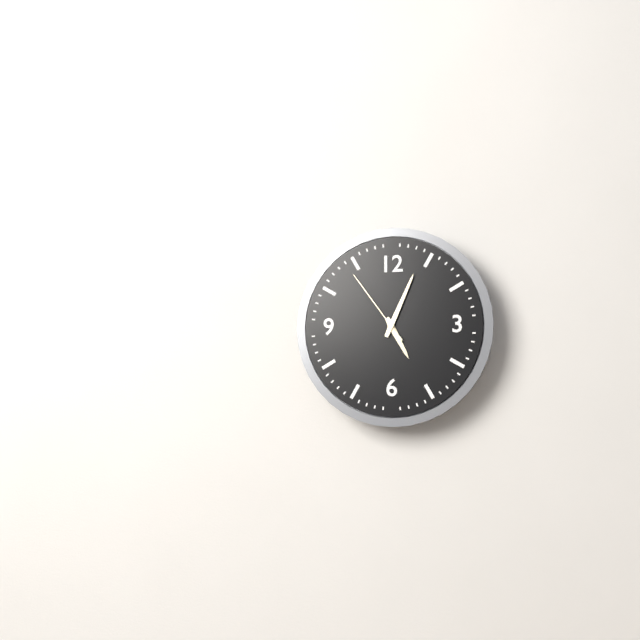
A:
**5:04:54**
